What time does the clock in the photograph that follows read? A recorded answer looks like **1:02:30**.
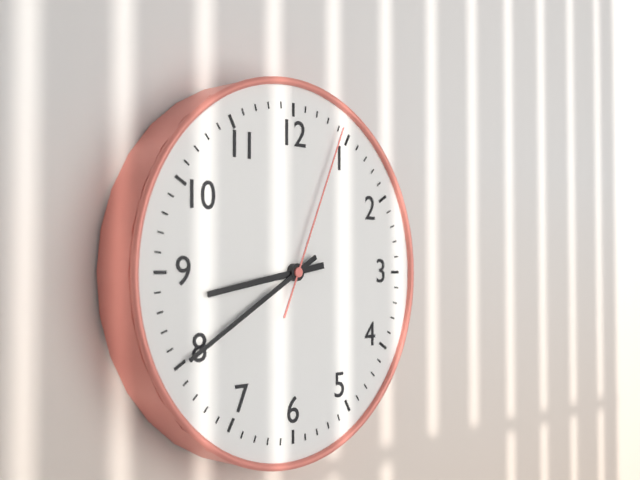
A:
**8:40:04**
